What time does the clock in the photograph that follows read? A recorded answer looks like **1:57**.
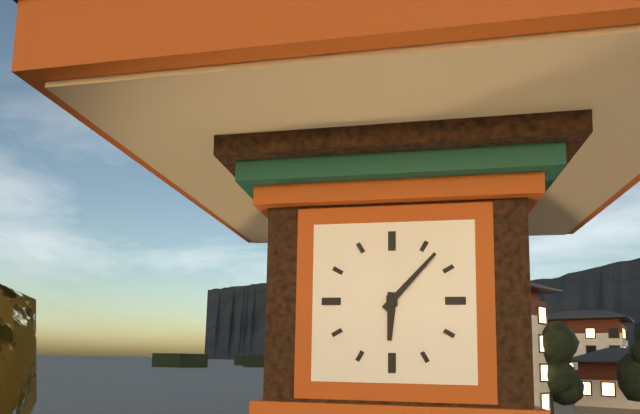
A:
**6:07**
